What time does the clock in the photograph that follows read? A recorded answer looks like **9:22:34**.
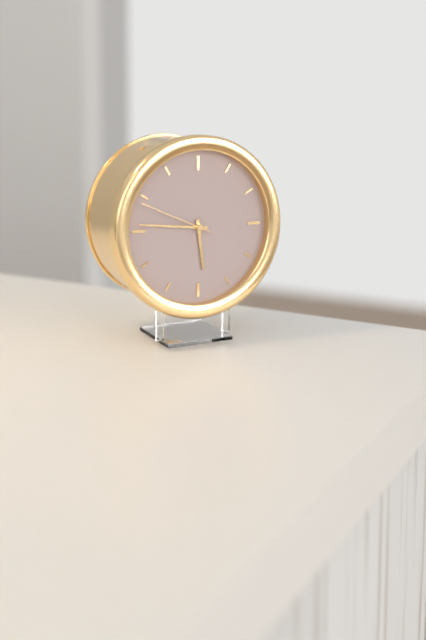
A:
**5:46:49**
